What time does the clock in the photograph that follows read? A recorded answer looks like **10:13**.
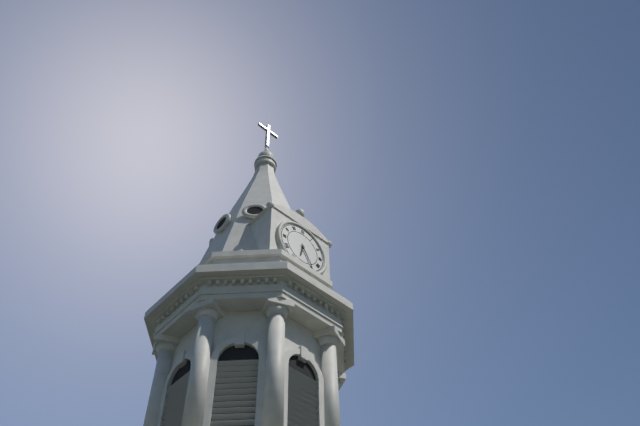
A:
**6:25**
